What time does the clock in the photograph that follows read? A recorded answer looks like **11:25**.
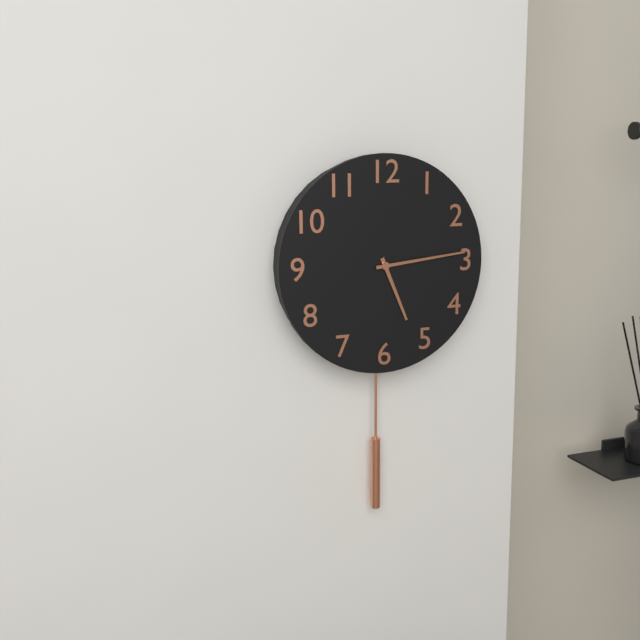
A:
**5:14**
